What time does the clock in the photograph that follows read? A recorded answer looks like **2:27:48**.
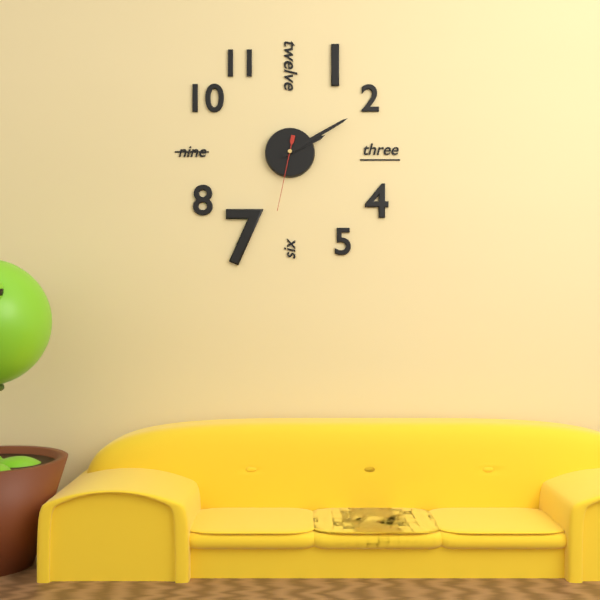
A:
**2:10:32**
